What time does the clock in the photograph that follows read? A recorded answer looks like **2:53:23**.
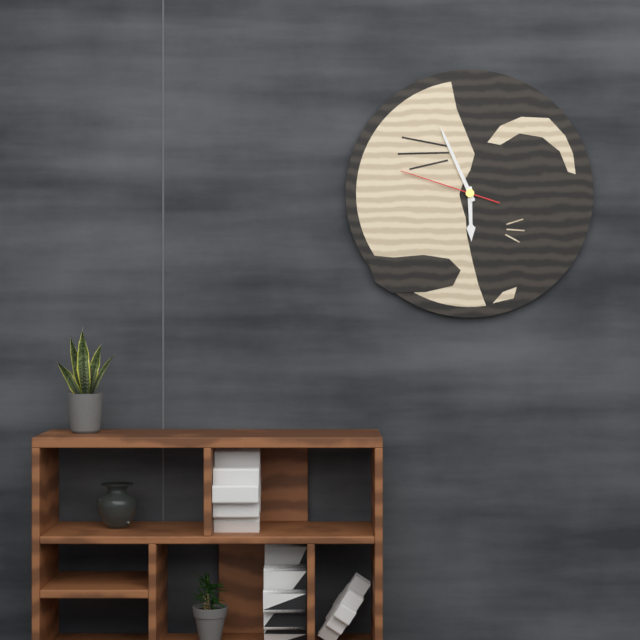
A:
**5:56:48**
